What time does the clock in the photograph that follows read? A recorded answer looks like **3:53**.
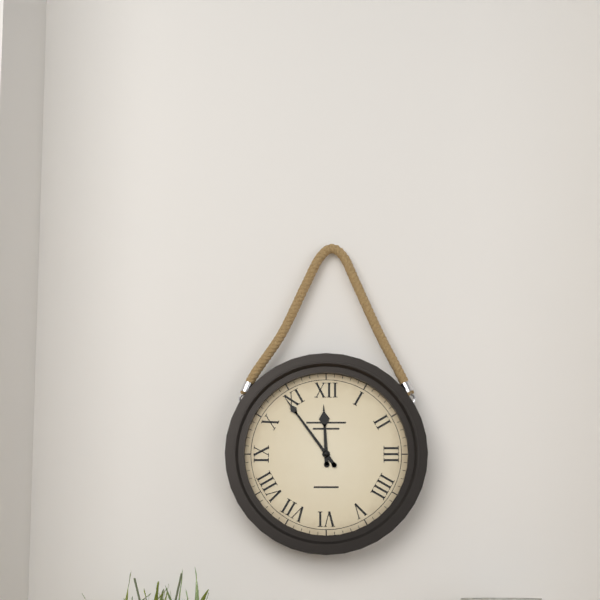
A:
**11:54**
